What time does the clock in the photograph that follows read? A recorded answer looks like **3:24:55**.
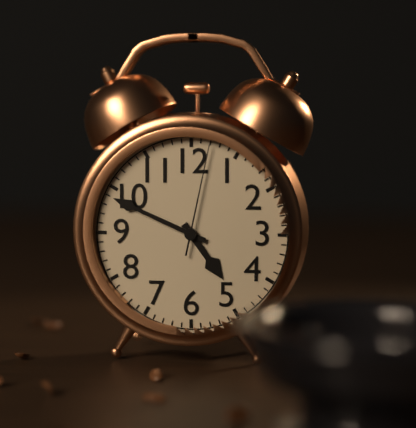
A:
**4:49:02**
